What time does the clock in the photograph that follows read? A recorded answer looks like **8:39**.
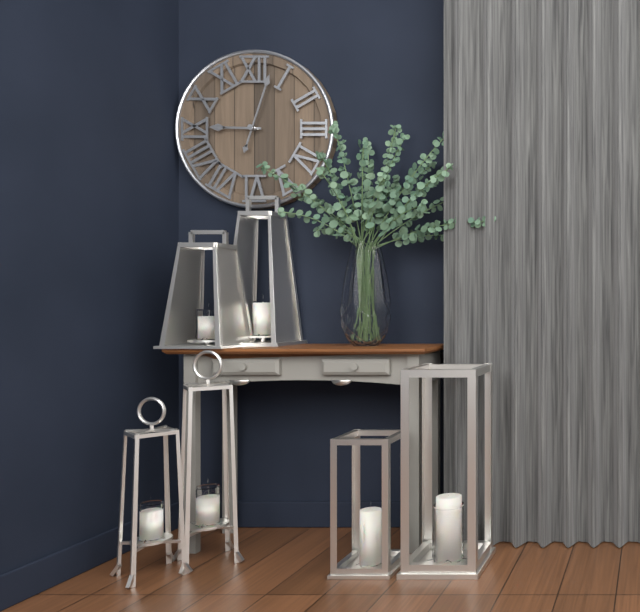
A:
**9:03**
